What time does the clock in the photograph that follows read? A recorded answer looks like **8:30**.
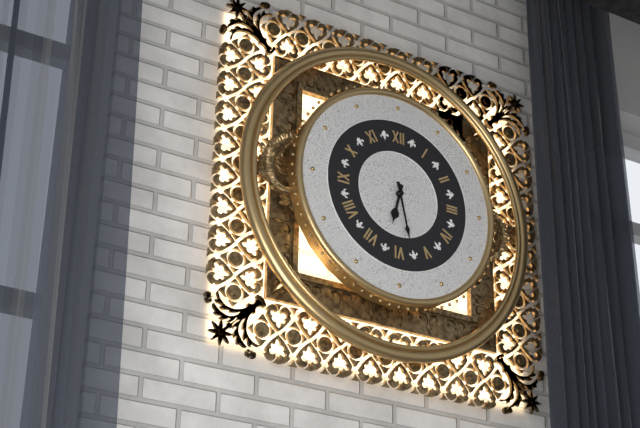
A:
**6:28**
